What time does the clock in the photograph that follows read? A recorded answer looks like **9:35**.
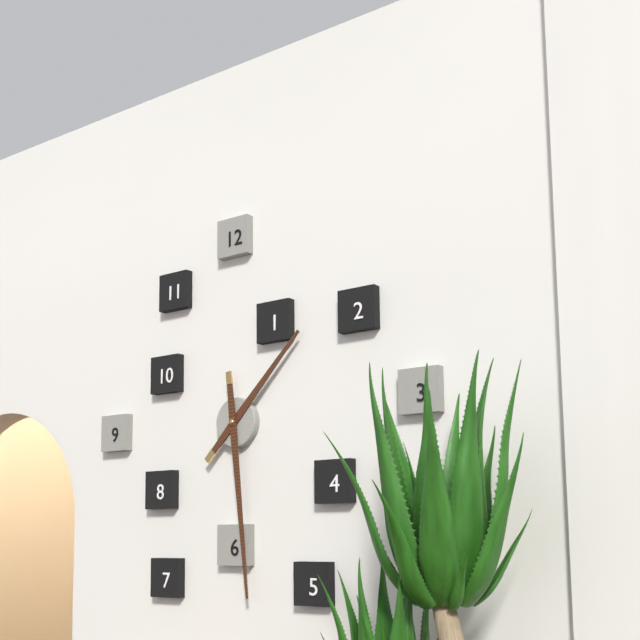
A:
**1:29**
